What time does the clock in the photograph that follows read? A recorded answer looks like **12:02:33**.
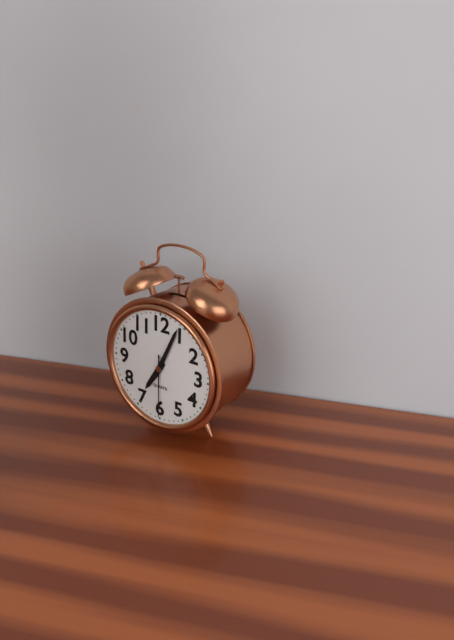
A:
**7:04:30**
